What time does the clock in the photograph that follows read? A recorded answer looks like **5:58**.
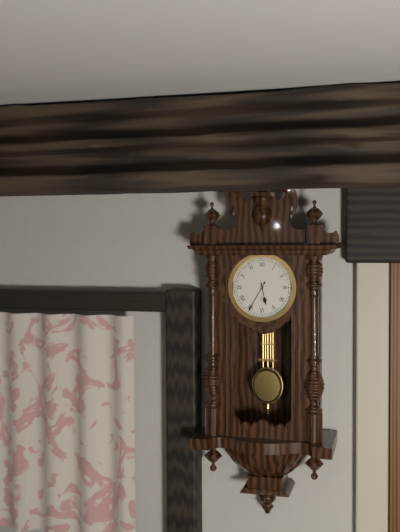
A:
**5:35**
